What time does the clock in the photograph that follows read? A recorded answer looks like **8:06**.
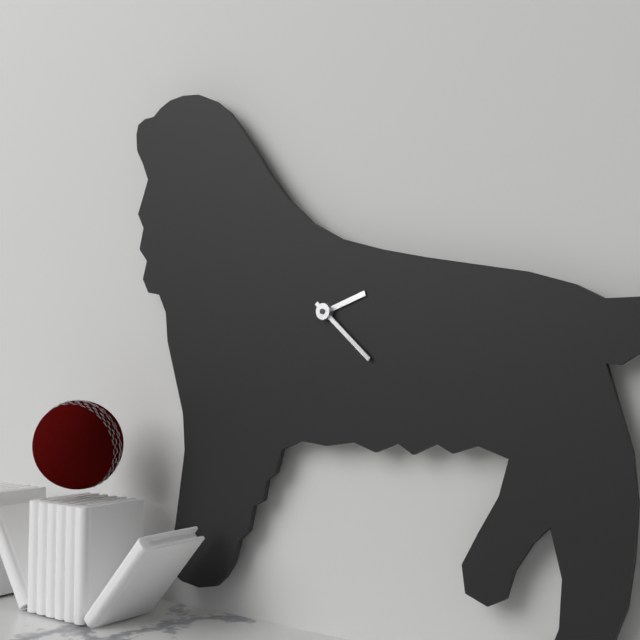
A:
**2:22**
